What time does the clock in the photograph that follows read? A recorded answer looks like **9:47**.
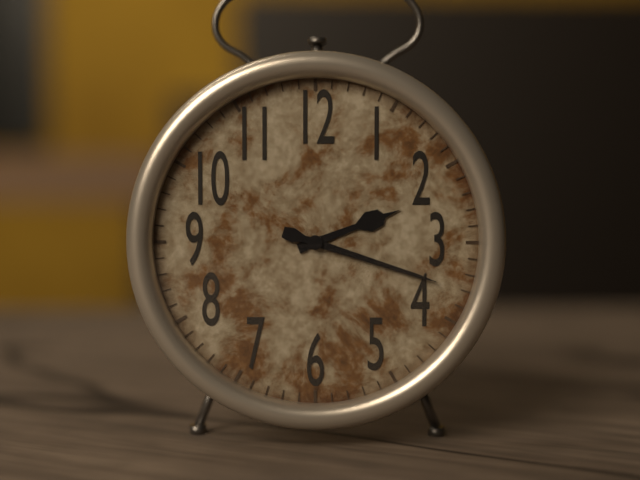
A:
**2:18**
